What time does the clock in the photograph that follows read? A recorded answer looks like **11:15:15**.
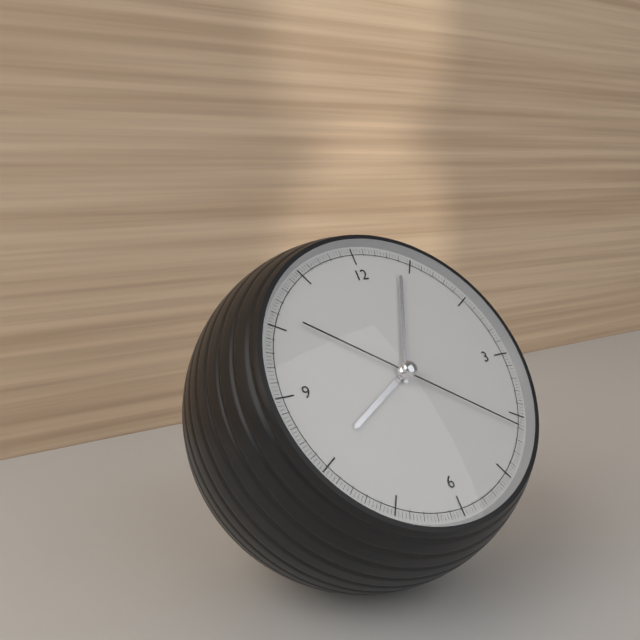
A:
**8:04:21**
